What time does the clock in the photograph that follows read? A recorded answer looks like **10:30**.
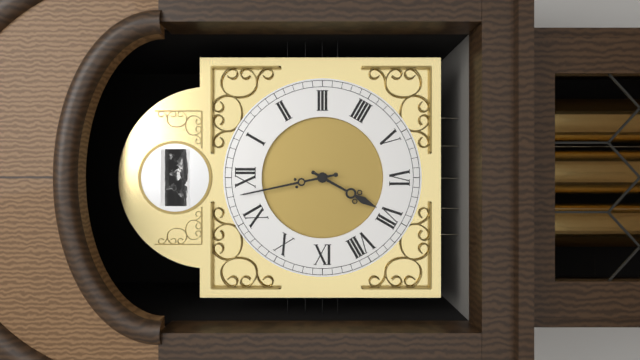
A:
**6:58**
